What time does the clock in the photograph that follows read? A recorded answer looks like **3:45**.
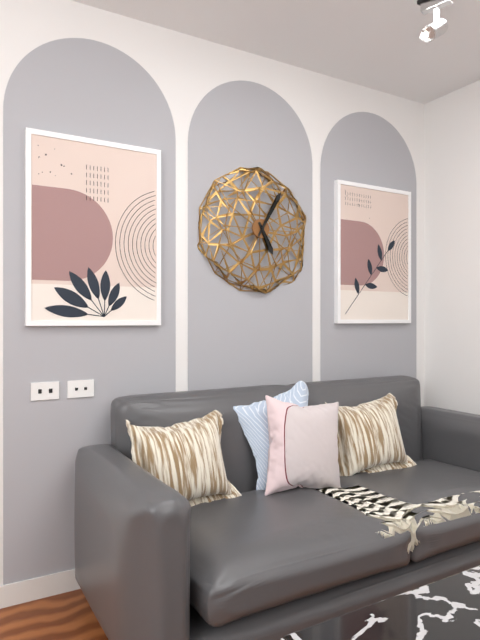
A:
**5:05**
